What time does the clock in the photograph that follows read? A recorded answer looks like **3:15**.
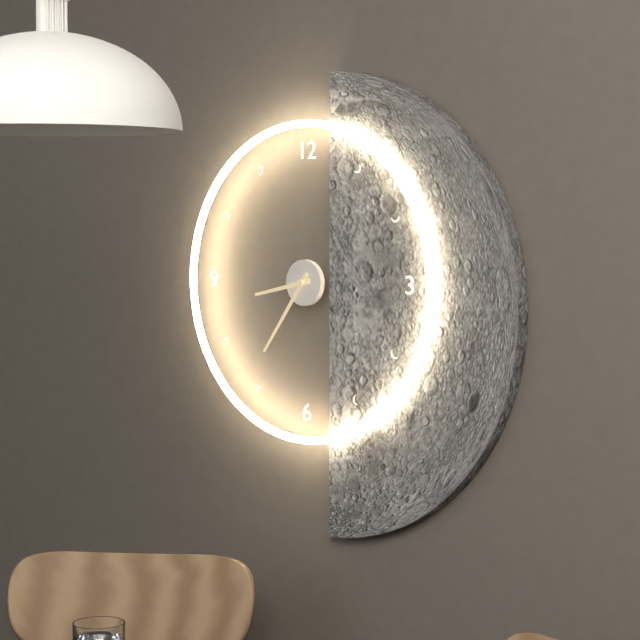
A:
**8:36**
